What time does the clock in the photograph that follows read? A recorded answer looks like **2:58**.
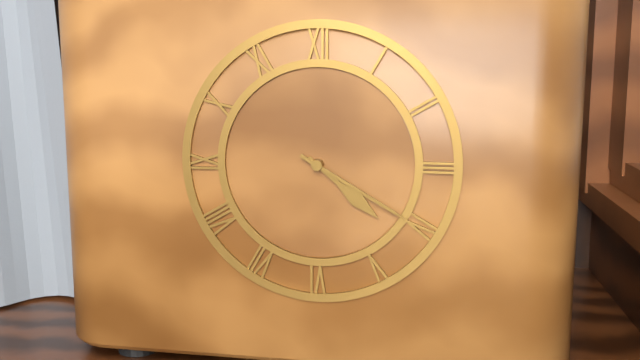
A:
**4:20**
